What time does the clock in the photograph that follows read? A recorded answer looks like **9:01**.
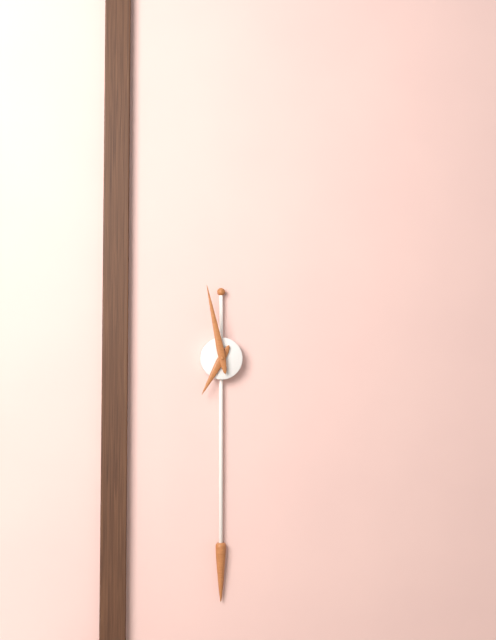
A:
**6:58**
